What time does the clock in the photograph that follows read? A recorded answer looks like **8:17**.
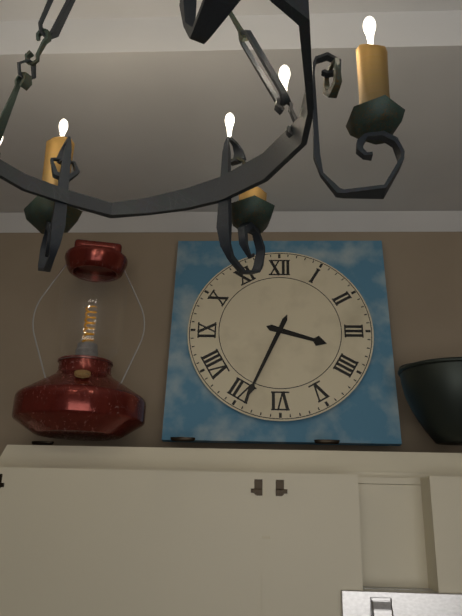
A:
**3:34**
